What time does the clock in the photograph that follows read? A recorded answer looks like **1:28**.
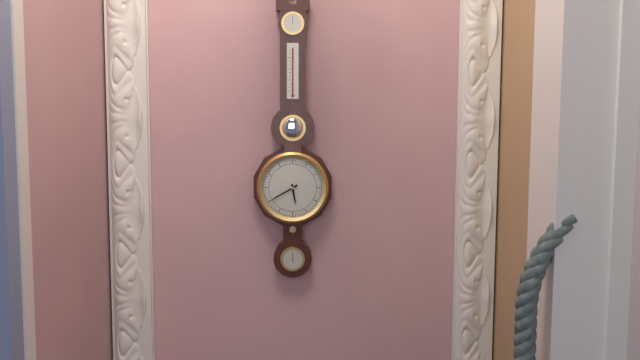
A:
**5:40**
